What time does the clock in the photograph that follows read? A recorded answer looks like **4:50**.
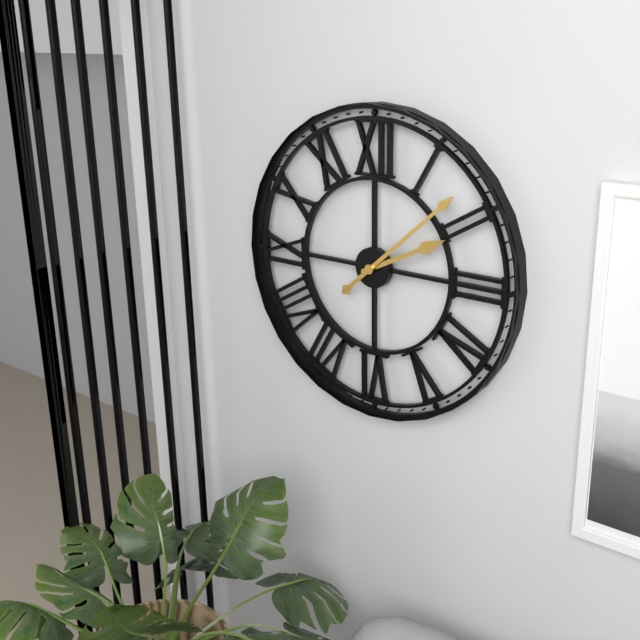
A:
**2:08**
